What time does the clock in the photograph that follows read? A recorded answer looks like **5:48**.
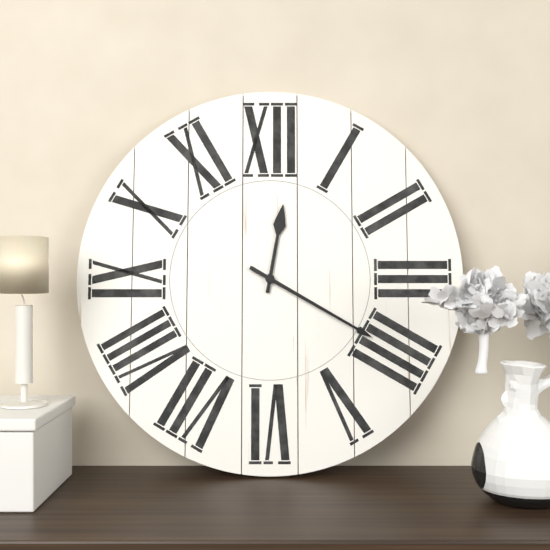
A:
**12:20**
